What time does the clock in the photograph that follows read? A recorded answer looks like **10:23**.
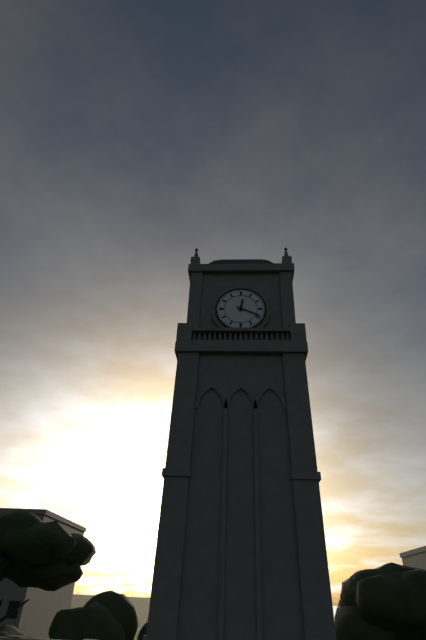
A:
**12:19**
